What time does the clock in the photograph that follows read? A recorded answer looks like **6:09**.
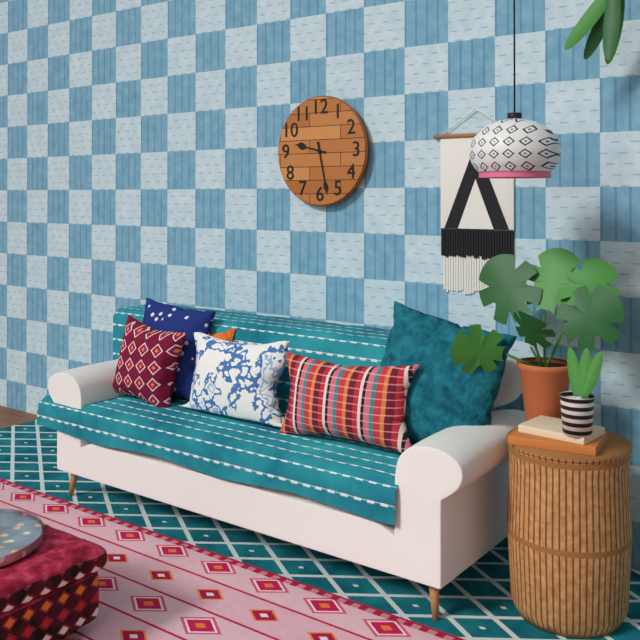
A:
**9:28**
